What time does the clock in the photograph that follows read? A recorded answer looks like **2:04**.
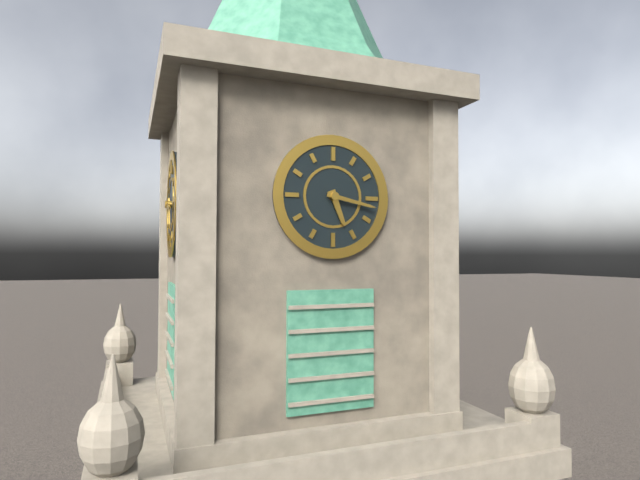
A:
**5:17**
